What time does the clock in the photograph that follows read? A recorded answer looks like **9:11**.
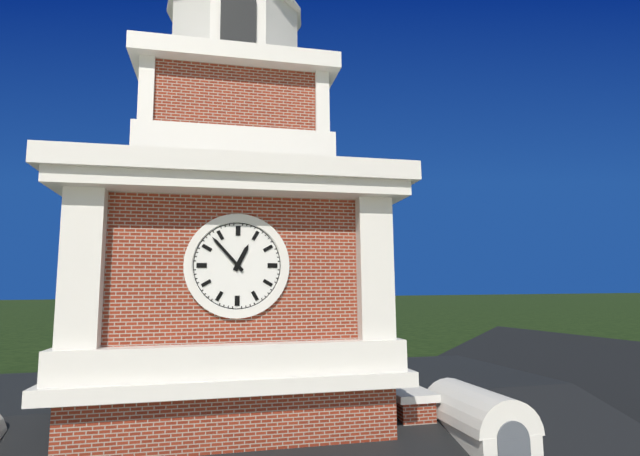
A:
**12:53**
